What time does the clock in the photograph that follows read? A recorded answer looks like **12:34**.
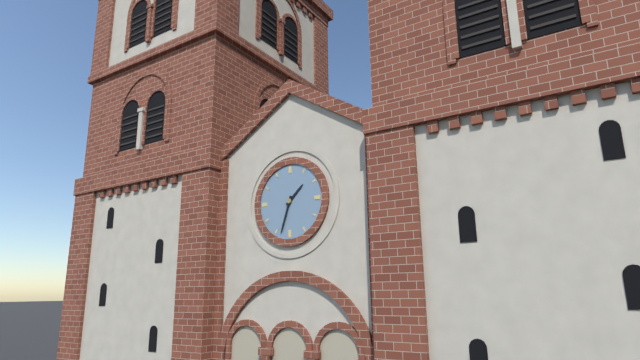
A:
**1:33**
